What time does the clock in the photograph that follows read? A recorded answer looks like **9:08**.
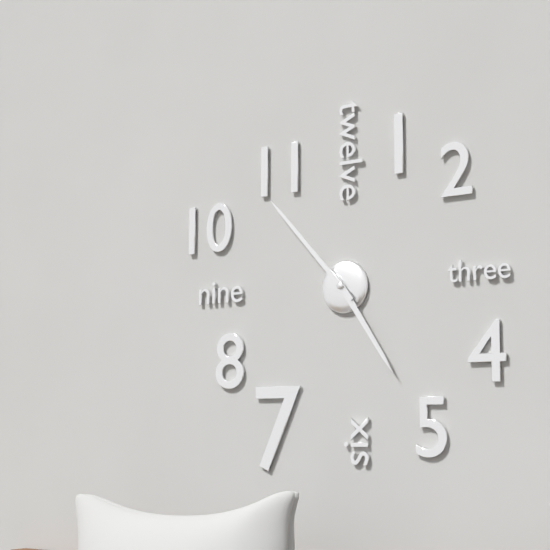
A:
**4:53**
